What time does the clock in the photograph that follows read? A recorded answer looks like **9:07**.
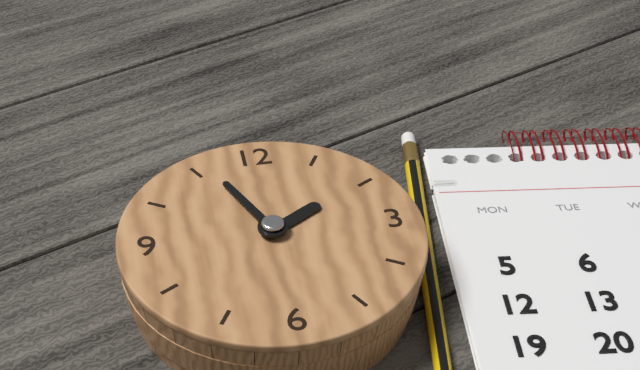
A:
**1:56**
